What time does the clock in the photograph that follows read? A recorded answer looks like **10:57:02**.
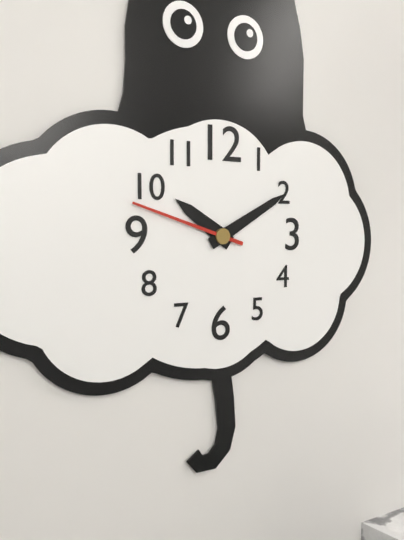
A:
**10:10:48**
